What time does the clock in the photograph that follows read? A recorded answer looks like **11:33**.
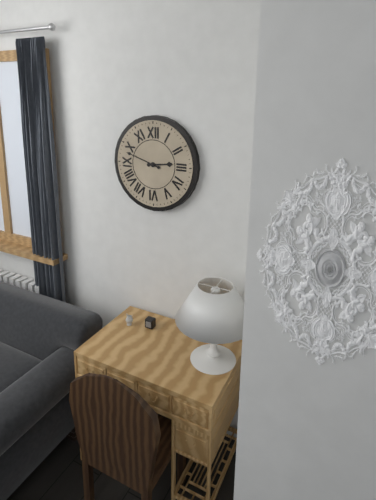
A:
**2:48**
